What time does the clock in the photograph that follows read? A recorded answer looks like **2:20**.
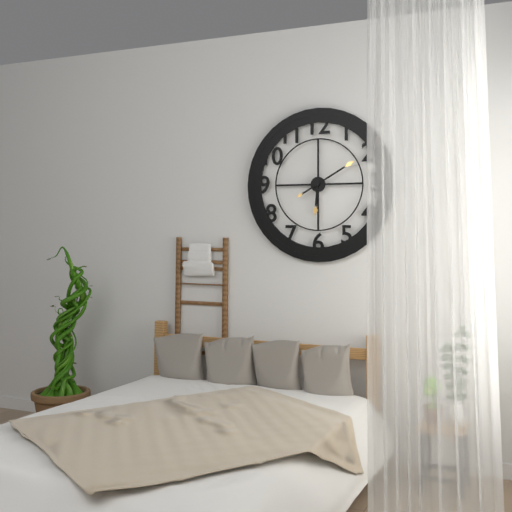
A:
**6:10**
